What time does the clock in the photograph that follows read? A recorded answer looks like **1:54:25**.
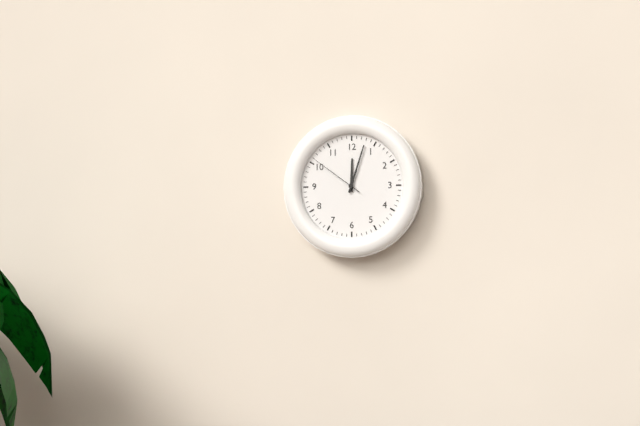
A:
**12:03:51**
